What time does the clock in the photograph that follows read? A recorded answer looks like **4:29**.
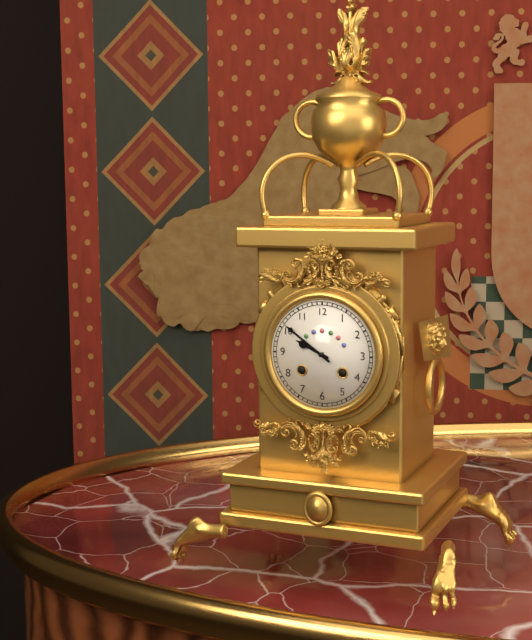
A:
**9:51**
